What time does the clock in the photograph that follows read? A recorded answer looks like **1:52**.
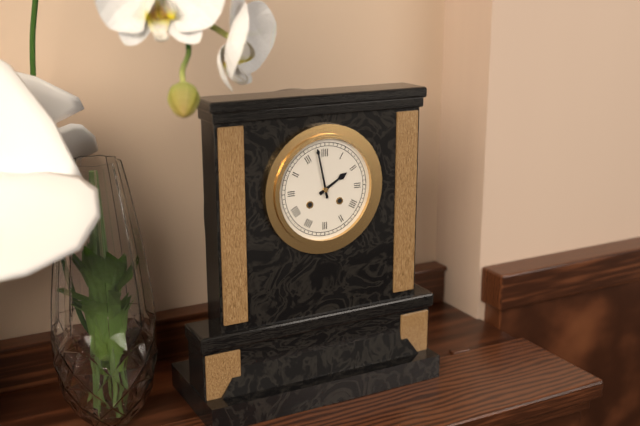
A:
**1:58**
